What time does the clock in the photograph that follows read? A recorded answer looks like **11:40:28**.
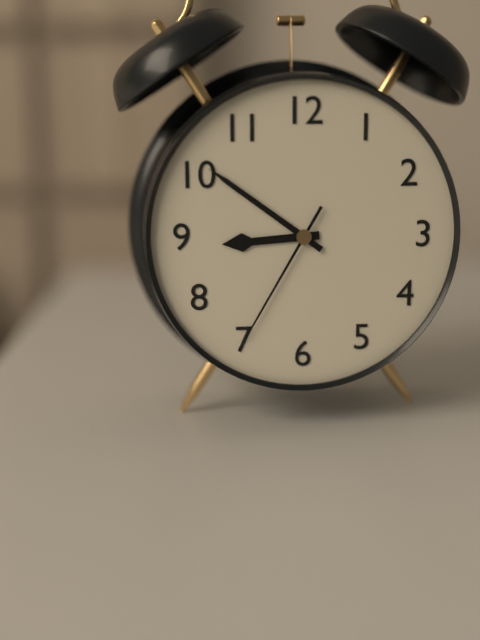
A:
**8:51:35**
